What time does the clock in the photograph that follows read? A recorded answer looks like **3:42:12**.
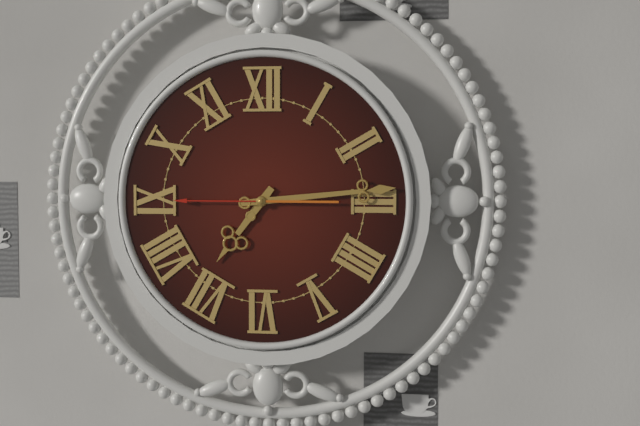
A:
**7:14:45**
